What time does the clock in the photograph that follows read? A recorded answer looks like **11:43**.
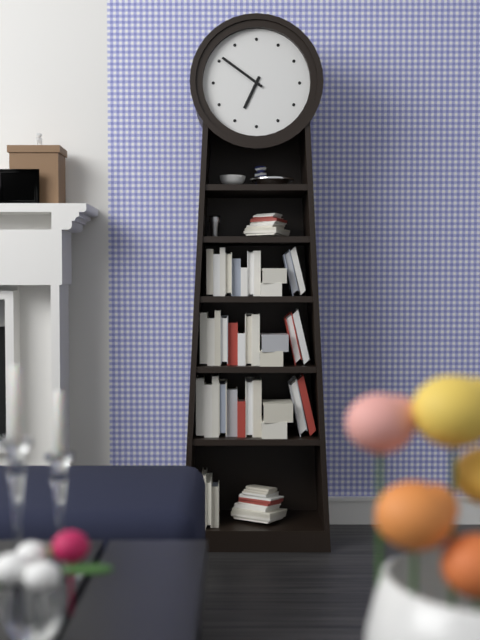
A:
**6:51**
